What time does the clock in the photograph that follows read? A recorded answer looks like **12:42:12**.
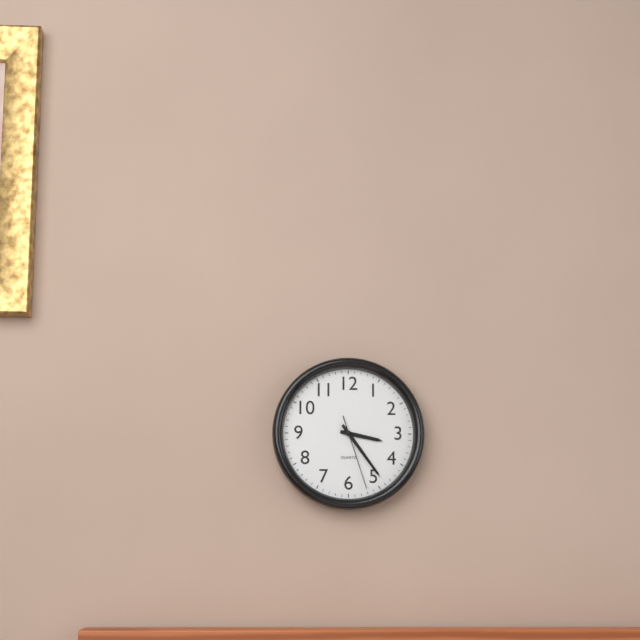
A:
**3:24:27**
